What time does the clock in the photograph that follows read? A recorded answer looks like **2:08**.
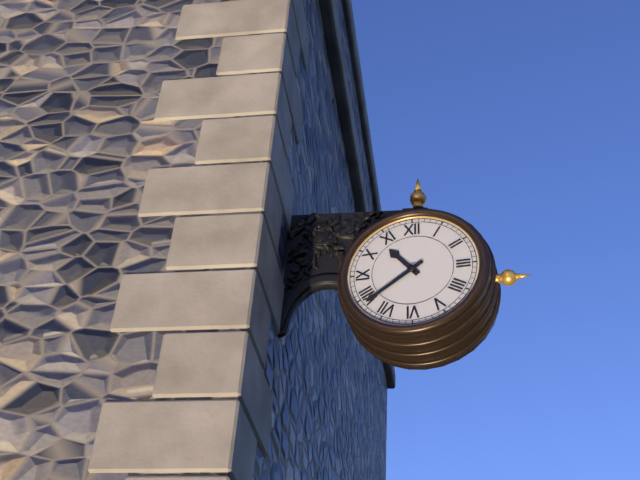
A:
**10:39**
